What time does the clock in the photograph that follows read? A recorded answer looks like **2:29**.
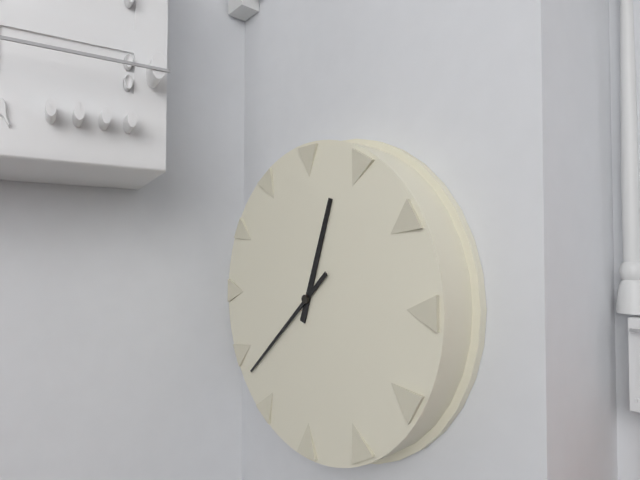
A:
**12:38**
